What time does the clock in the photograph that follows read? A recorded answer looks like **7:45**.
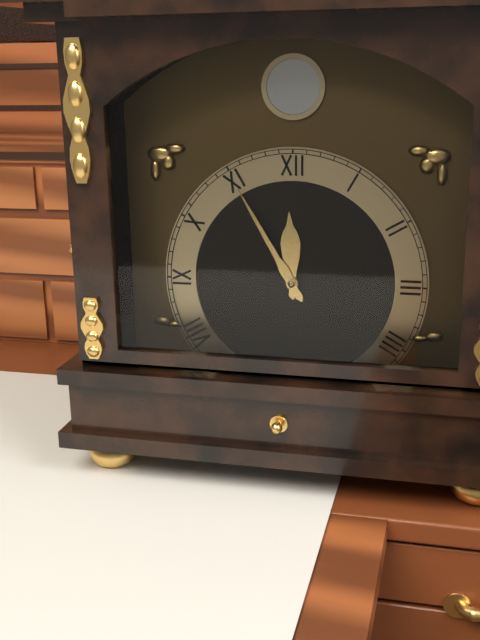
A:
**11:55**
